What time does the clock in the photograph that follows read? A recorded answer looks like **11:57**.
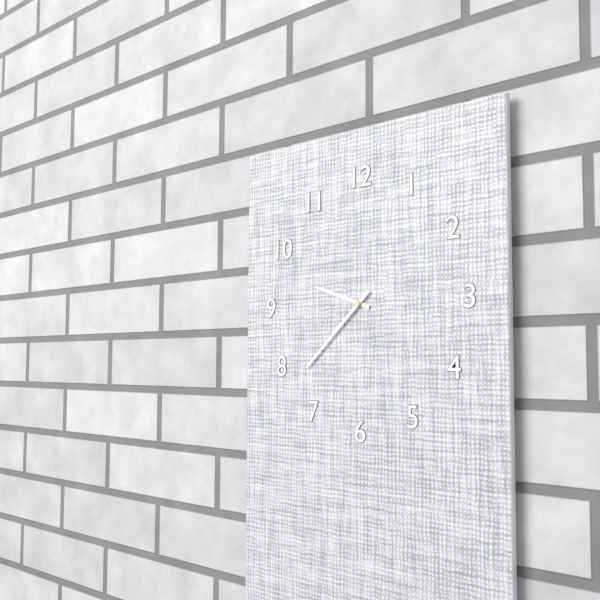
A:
**9:38**
